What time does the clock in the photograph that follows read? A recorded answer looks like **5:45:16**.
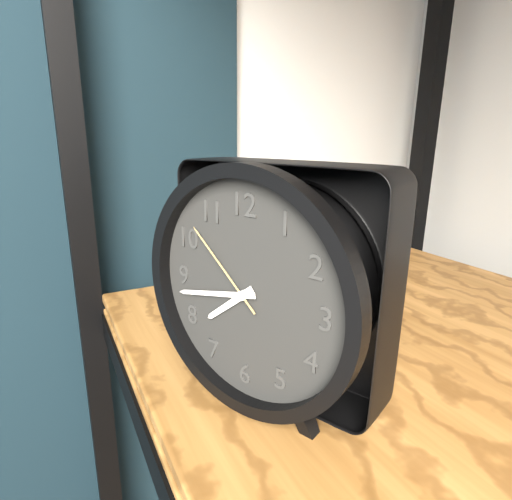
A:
**7:43:52**
